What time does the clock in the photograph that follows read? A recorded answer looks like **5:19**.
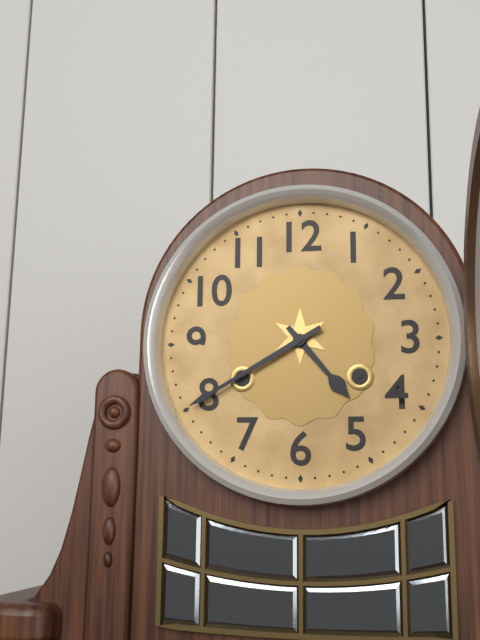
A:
**4:40**
